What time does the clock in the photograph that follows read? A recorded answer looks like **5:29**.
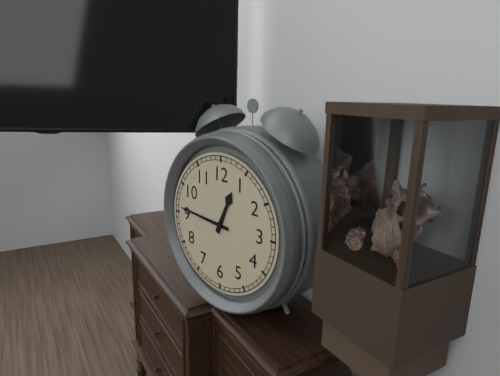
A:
**12:46**
